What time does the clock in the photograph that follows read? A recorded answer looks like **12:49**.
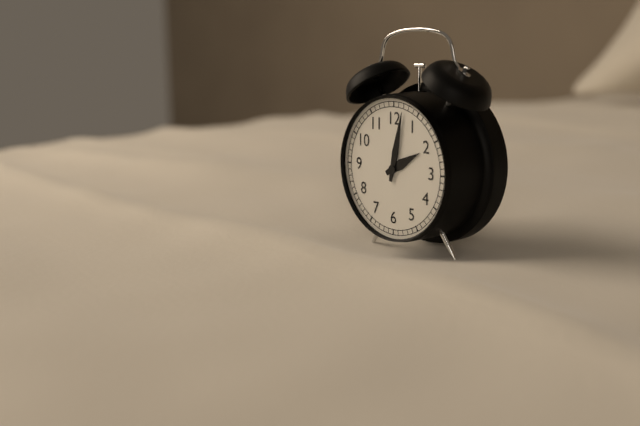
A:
**2:02**
